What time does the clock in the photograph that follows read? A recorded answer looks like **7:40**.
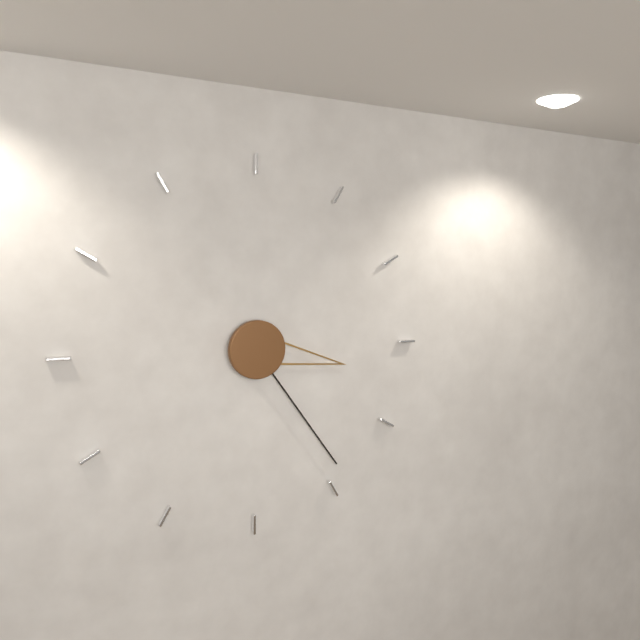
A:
**3:24**
